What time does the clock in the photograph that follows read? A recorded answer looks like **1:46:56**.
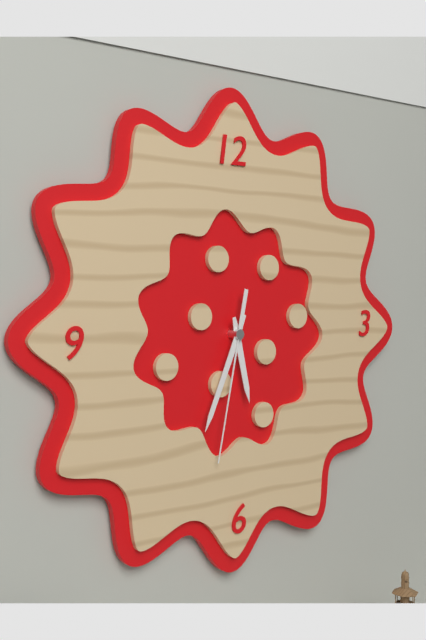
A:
**5:34:32**
